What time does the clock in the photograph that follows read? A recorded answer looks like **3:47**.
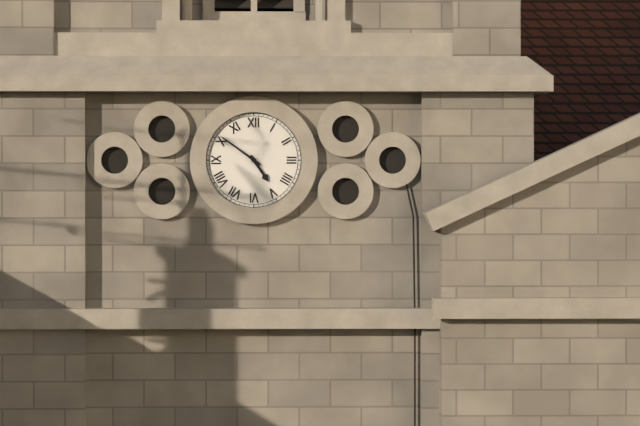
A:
**4:51**
